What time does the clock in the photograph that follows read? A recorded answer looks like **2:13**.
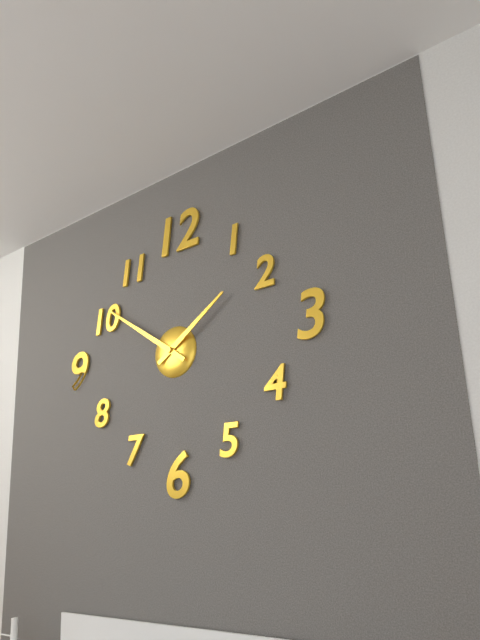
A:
**1:51**
